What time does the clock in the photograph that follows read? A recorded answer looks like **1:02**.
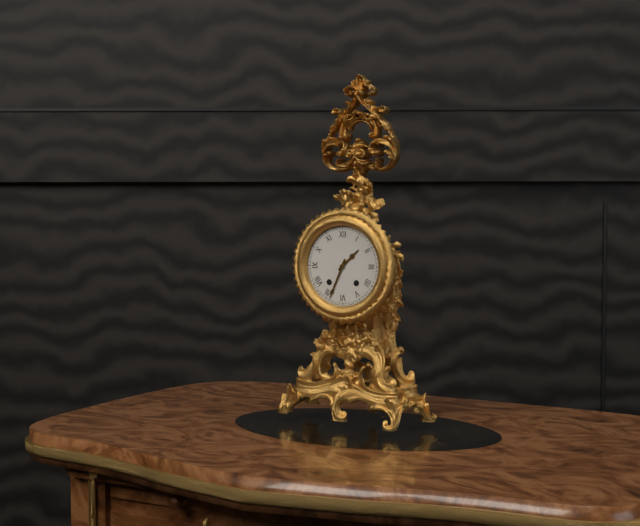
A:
**1:34**
